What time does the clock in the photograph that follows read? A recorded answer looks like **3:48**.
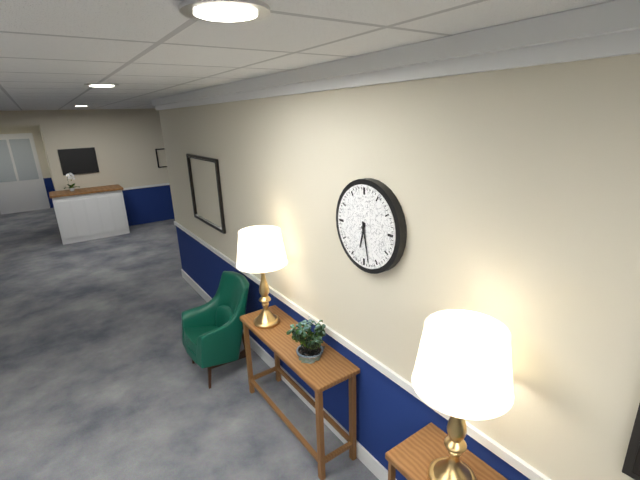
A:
**6:28**
